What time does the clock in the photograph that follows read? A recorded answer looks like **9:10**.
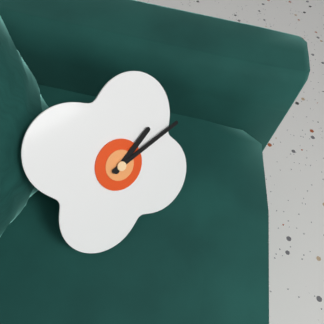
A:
**2:14**
